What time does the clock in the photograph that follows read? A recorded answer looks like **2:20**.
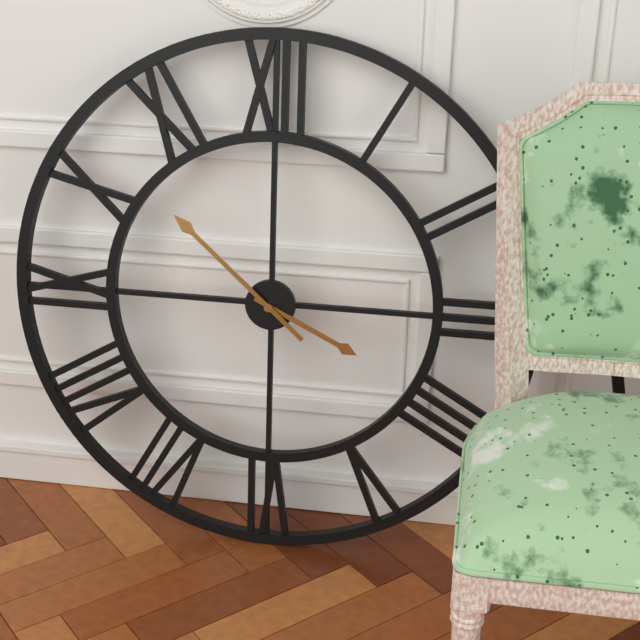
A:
**3:52**
